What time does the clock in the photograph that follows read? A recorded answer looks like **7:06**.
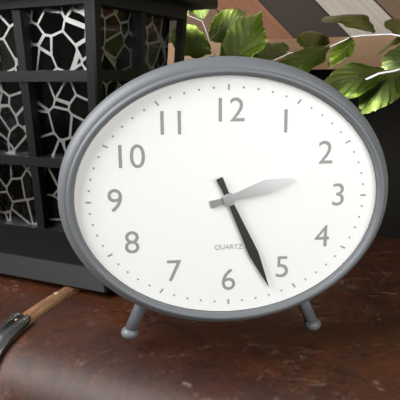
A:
**2:26**
